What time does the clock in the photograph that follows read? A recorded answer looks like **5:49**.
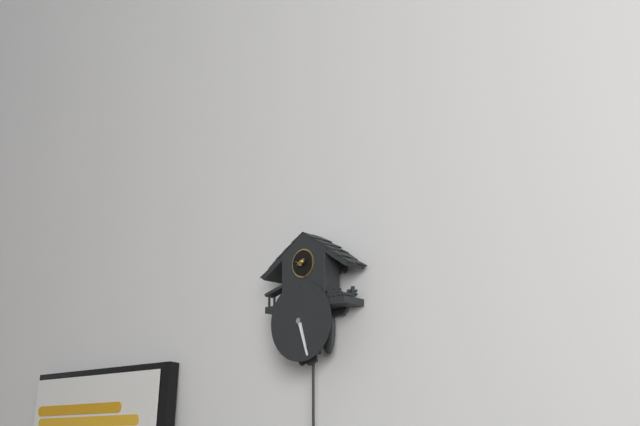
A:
**5:27**
